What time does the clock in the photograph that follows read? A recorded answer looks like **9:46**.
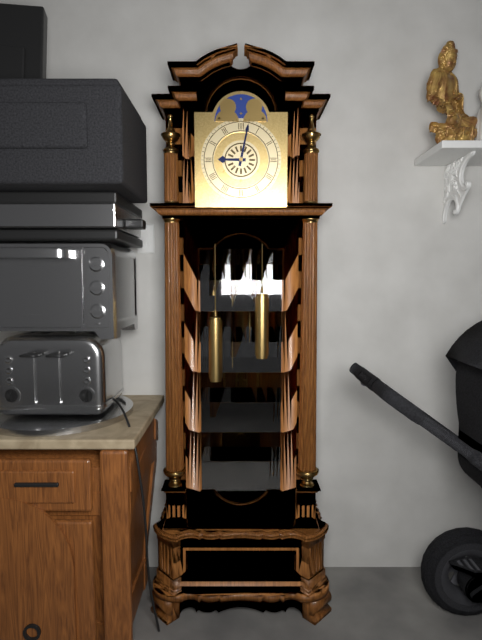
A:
**9:02**
